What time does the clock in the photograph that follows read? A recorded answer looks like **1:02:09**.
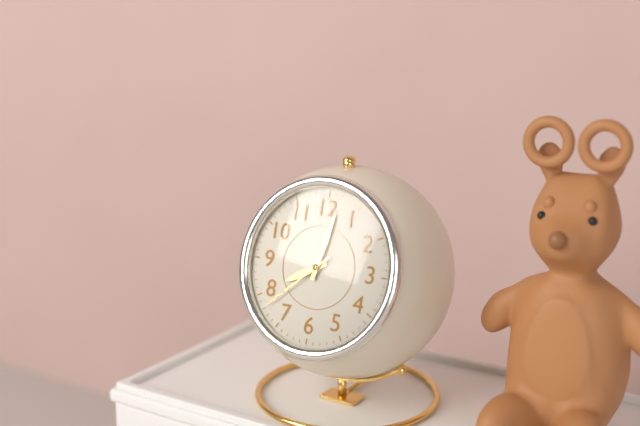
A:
**8:02:38**
